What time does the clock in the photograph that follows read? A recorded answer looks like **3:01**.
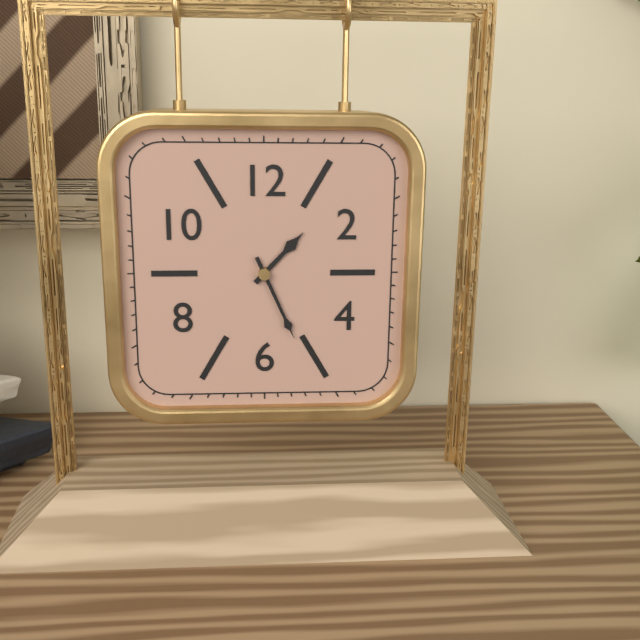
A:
**1:26**
